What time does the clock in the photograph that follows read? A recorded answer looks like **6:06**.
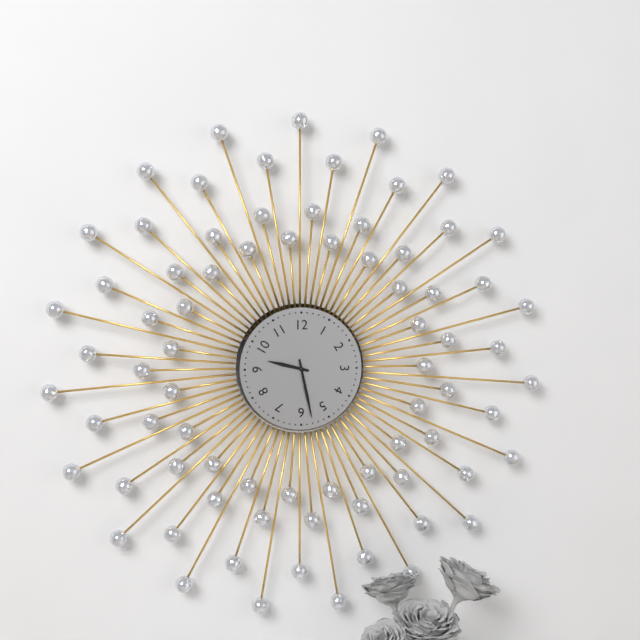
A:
**9:28**
